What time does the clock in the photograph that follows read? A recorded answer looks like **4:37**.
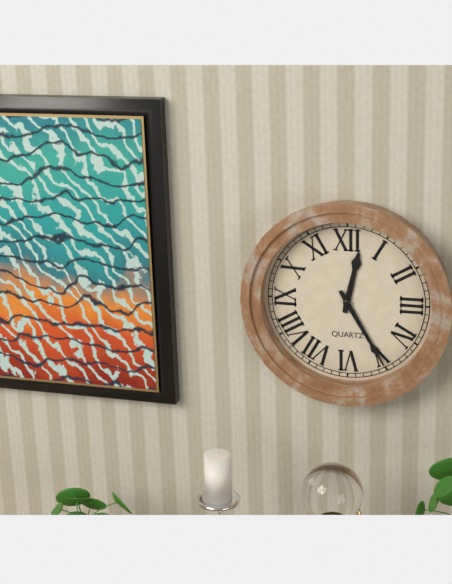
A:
**12:25**
